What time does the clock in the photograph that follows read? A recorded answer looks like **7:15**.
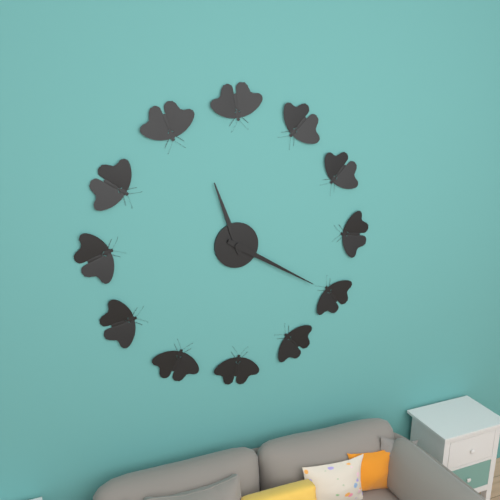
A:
**11:20**
